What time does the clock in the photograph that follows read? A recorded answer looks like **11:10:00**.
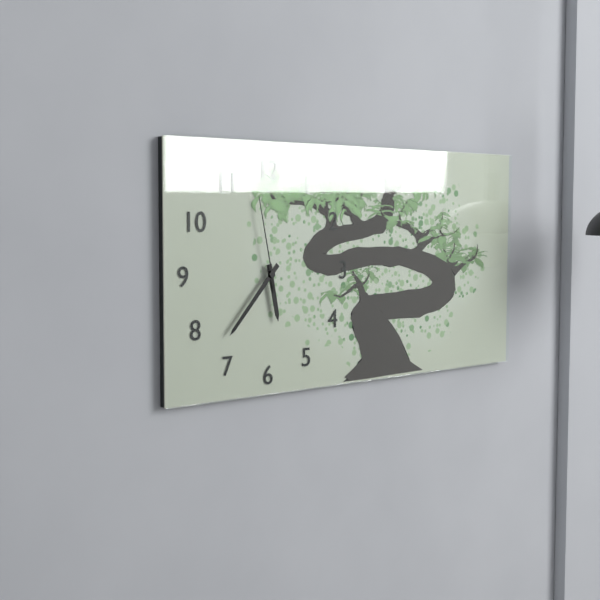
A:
**5:37:58**
